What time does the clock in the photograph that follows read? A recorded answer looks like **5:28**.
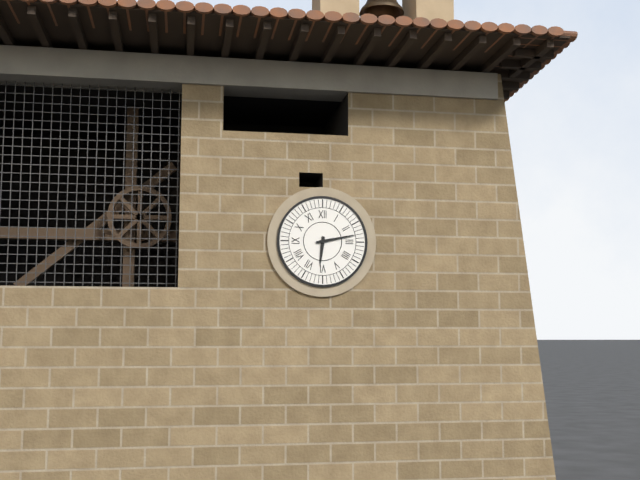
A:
**6:13**
